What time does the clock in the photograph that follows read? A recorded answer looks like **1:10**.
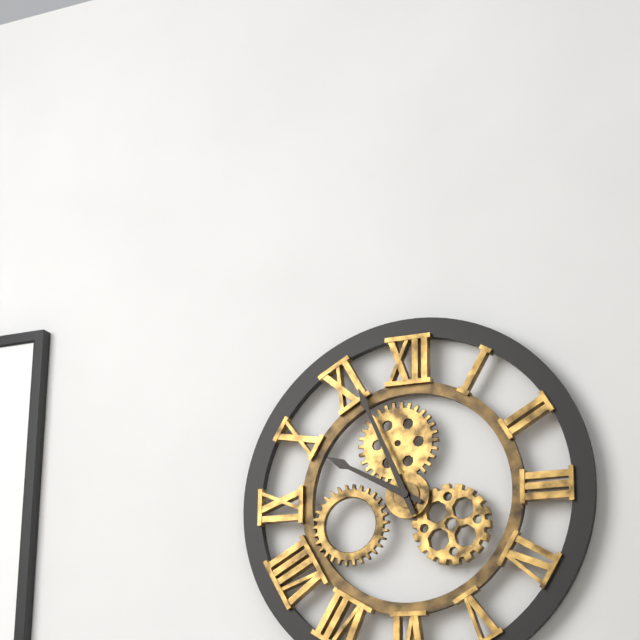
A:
**9:56**
